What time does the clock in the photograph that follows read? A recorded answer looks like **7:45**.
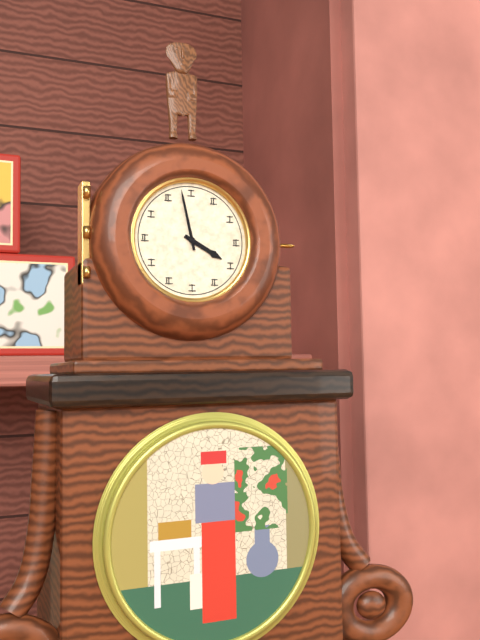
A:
**3:58**
